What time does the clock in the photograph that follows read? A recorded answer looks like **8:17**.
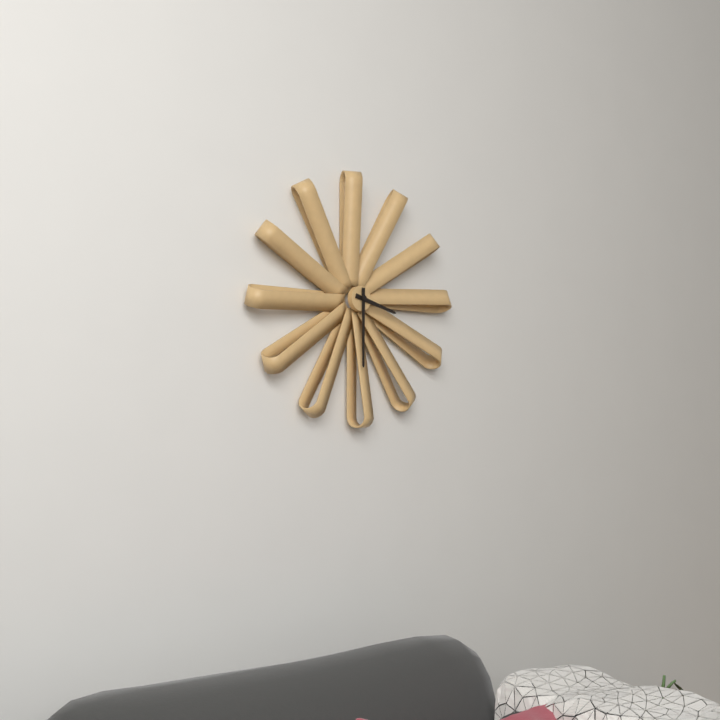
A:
**3:30**
